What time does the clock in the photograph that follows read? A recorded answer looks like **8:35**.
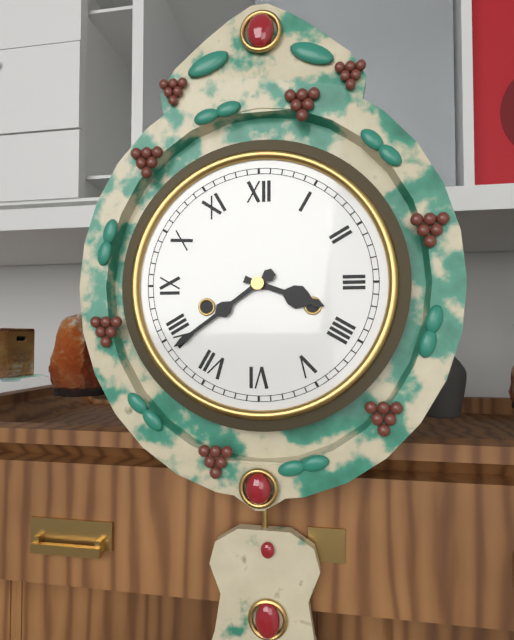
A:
**3:39**
